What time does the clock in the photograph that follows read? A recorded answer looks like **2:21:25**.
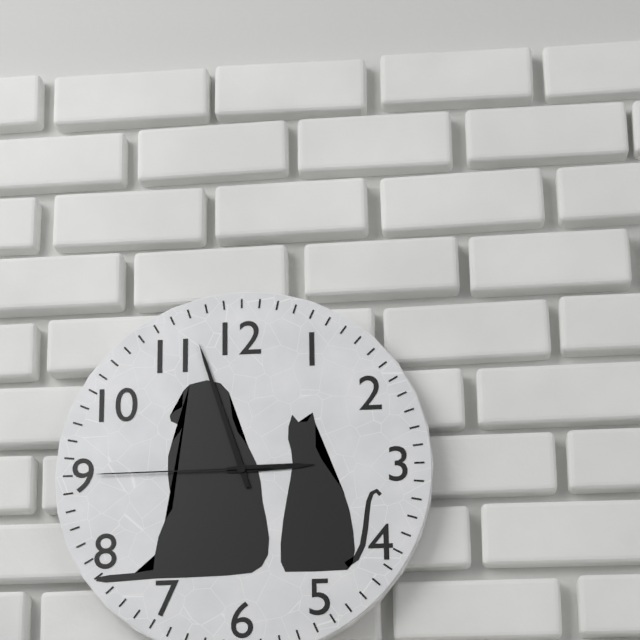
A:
**2:57:45**
